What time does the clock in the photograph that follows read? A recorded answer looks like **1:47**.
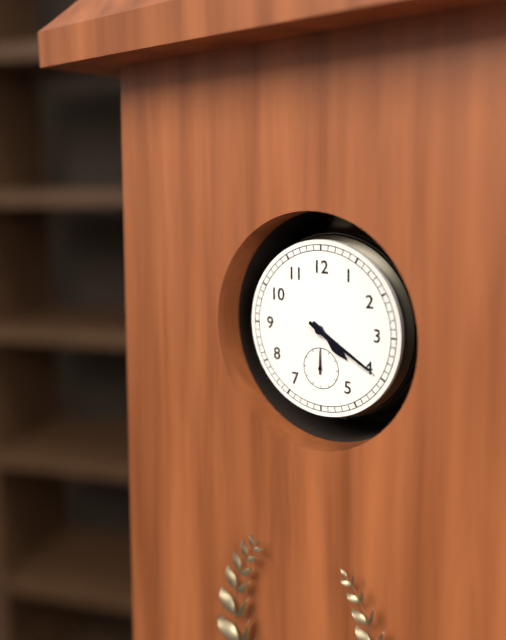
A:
**4:20**
